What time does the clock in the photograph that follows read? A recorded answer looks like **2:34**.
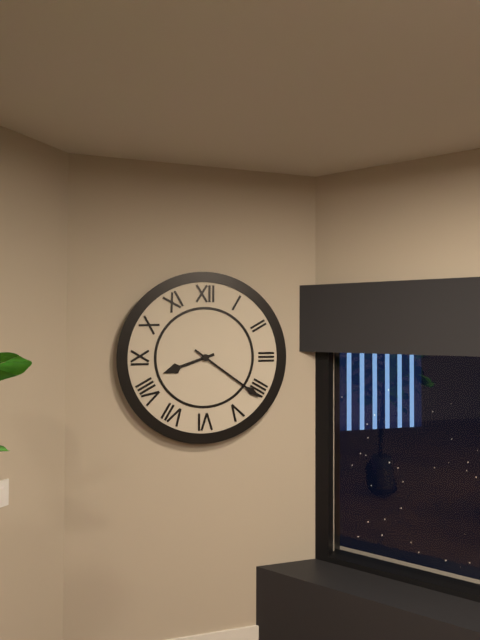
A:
**8:21**
